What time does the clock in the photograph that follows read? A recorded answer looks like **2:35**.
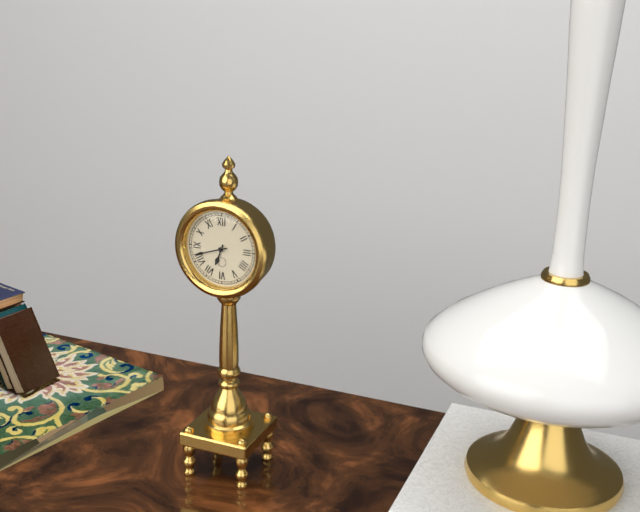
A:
**6:42**
